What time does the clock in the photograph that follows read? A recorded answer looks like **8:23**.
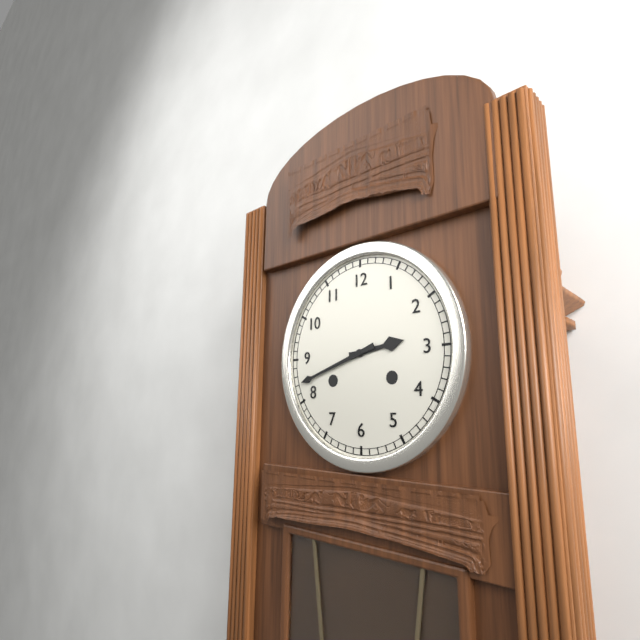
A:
**2:42**
